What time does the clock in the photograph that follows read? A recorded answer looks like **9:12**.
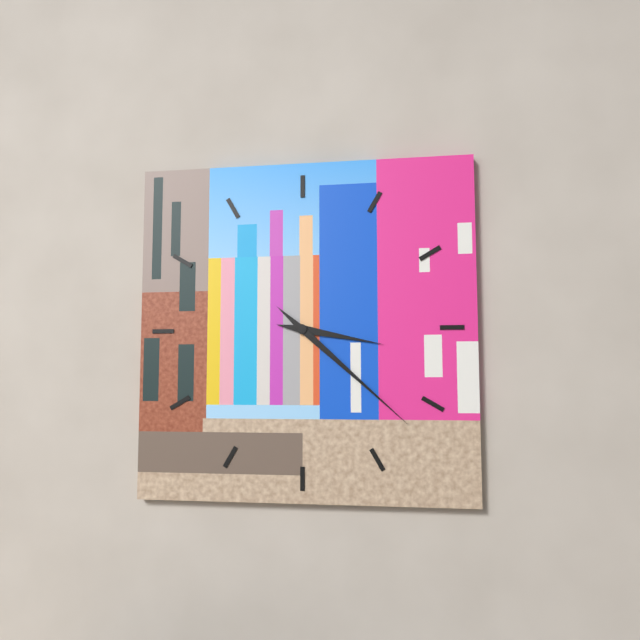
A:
**3:22**
